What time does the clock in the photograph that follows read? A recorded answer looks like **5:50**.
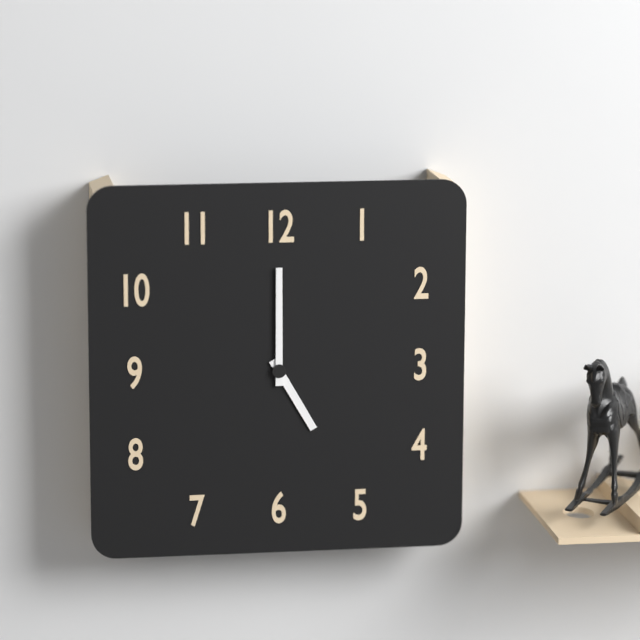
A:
**5:00**
